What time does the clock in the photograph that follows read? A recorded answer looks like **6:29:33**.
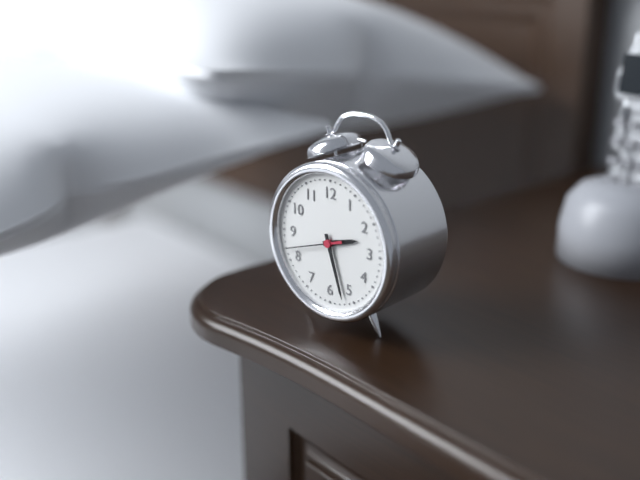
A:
**2:27:42**
